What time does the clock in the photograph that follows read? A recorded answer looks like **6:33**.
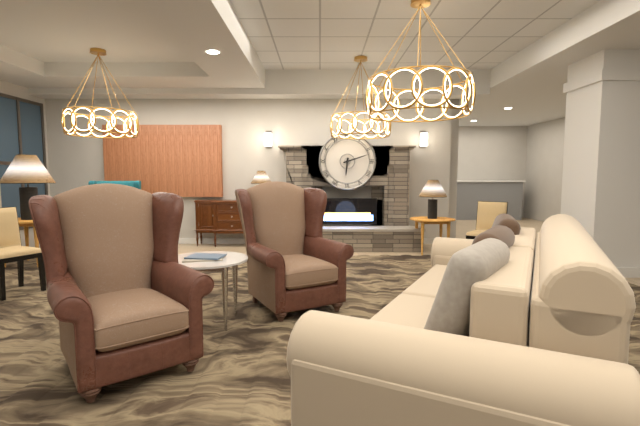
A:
**6:12**
